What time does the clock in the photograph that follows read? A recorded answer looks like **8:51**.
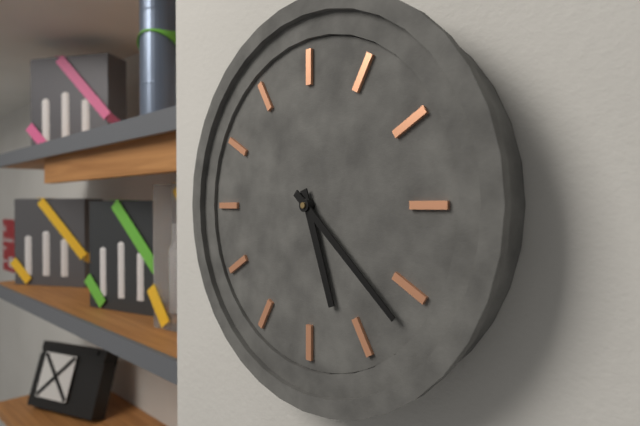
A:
**5:22**
